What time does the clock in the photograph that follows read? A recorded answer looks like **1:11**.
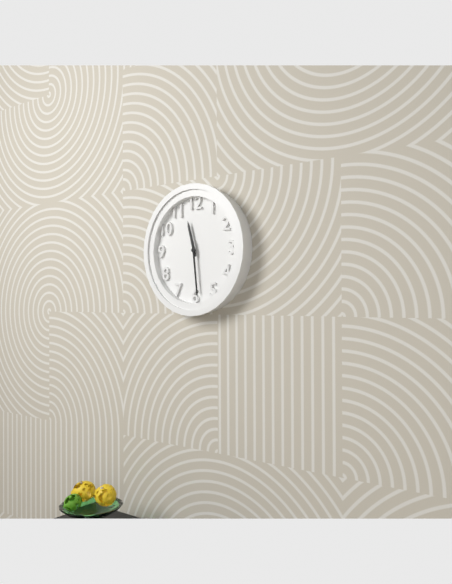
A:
**11:29**
